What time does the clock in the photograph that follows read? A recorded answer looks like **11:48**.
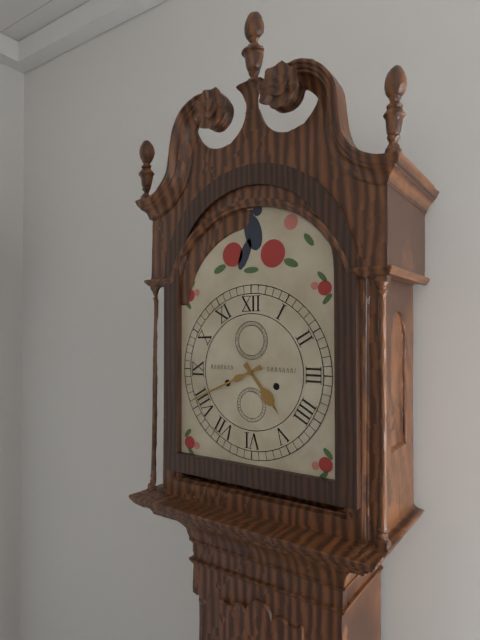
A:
**4:41**
